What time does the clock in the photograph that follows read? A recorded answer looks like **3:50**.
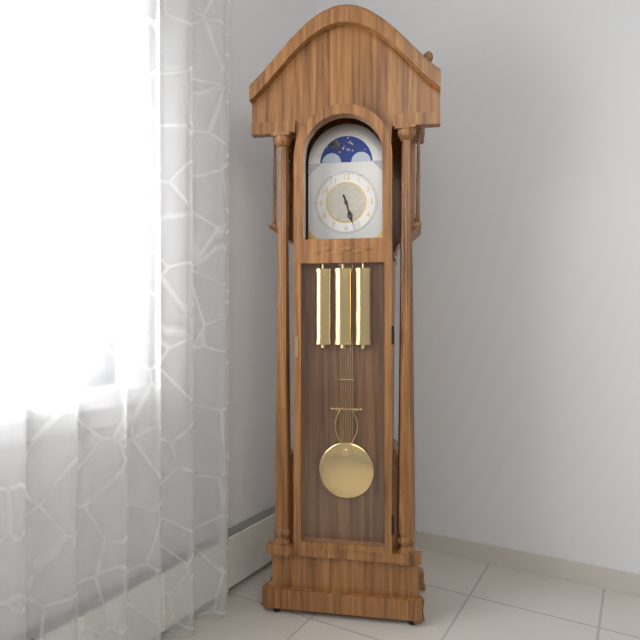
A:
**5:27**
